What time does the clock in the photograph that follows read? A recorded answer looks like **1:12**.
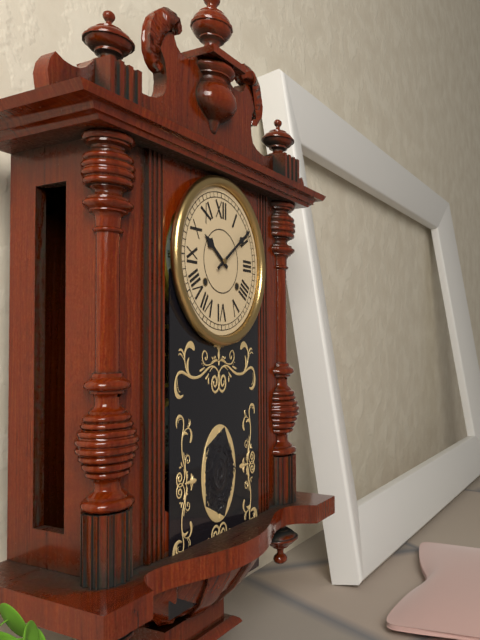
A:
**10:09**
